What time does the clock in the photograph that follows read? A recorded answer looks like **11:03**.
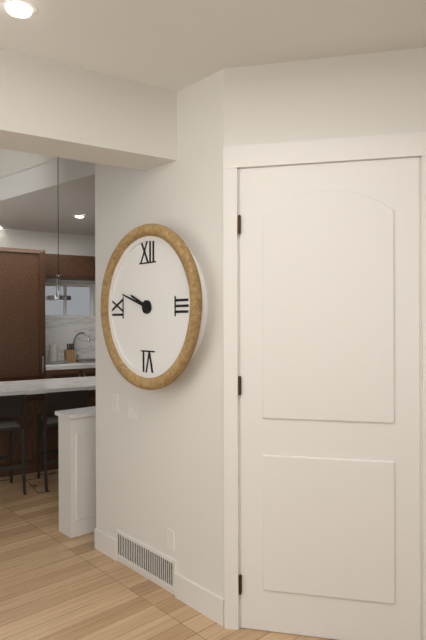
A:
**9:48**
